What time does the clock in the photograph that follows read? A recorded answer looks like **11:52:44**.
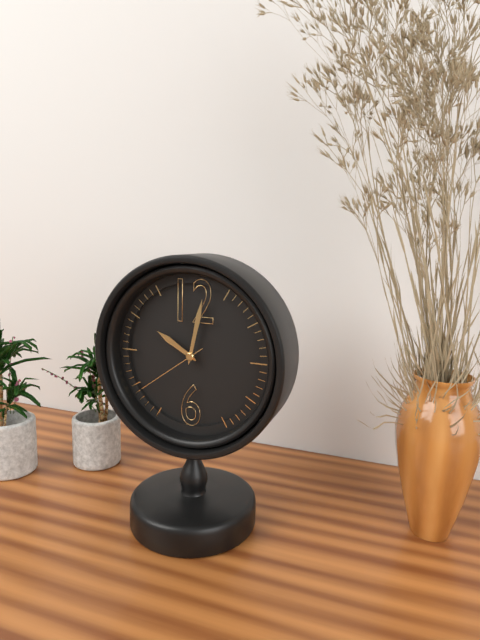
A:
**10:02:39**
